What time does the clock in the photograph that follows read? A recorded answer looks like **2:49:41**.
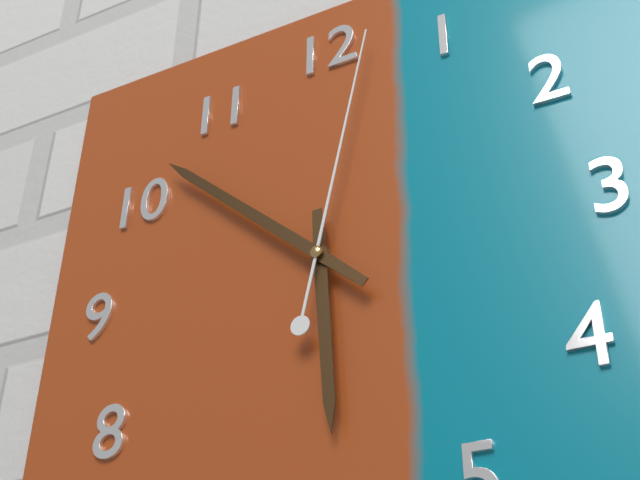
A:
**5:52:02**
